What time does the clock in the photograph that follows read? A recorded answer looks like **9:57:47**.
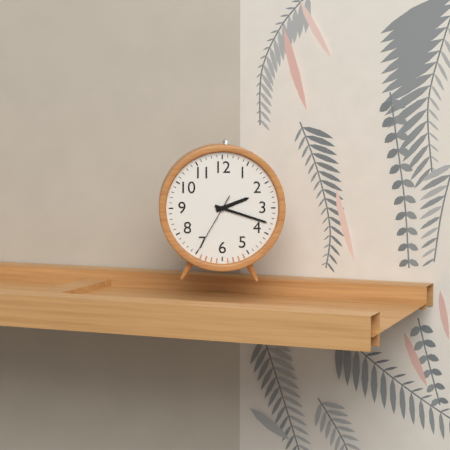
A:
**2:18:35**
